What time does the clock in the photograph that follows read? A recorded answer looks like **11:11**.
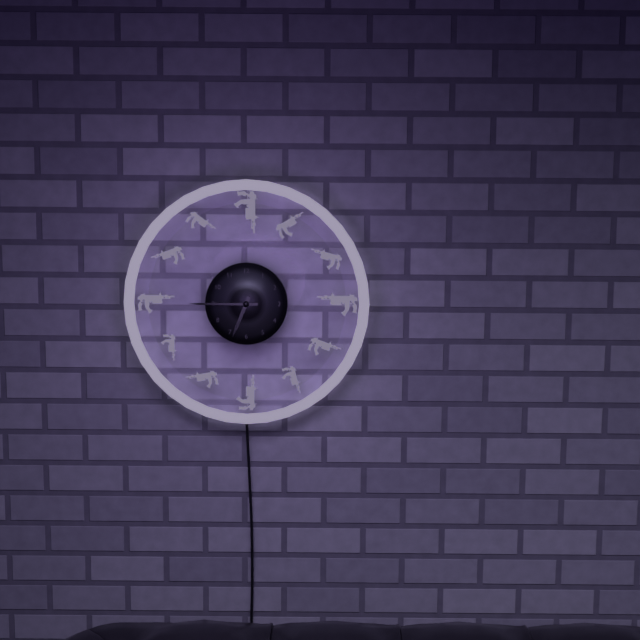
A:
**6:45**
